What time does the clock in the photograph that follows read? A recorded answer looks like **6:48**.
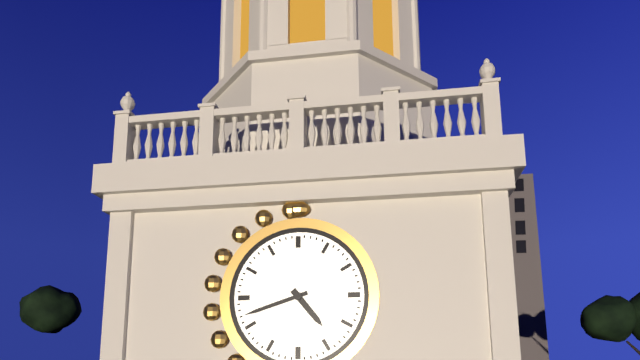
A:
**4:42**
